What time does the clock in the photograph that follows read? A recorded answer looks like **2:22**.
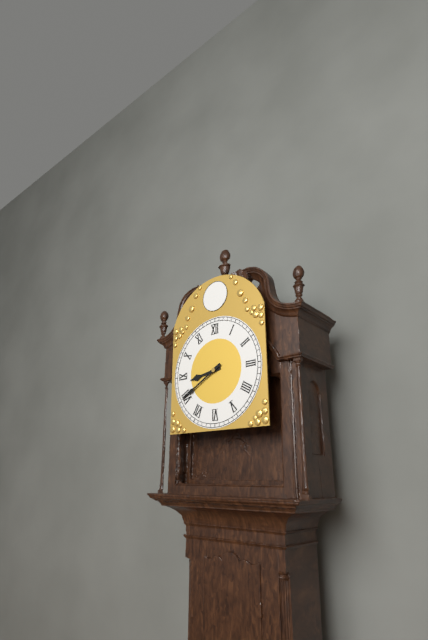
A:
**8:40**
